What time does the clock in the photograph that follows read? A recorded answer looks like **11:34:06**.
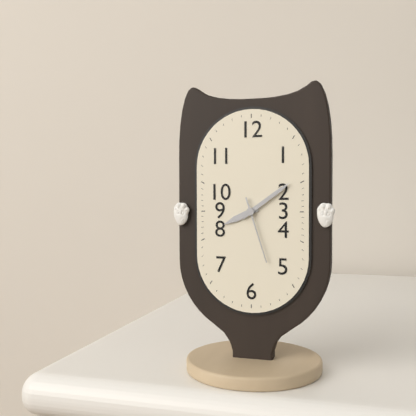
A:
**8:09:27**
